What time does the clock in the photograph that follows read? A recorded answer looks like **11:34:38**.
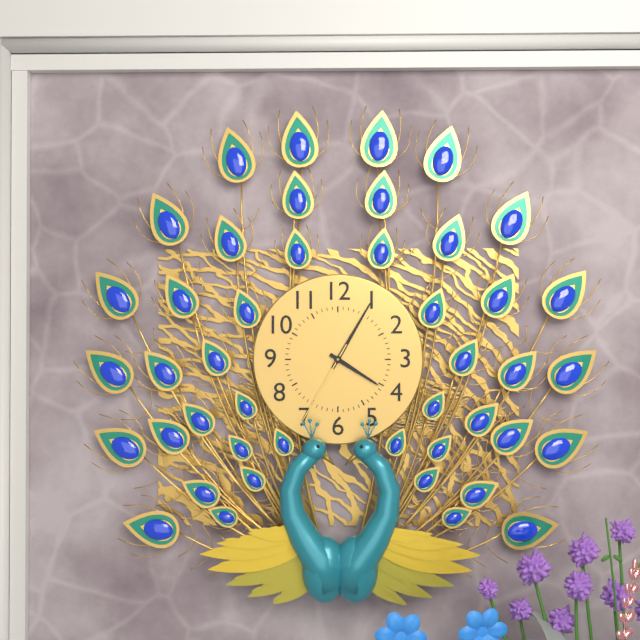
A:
**4:05:35**
